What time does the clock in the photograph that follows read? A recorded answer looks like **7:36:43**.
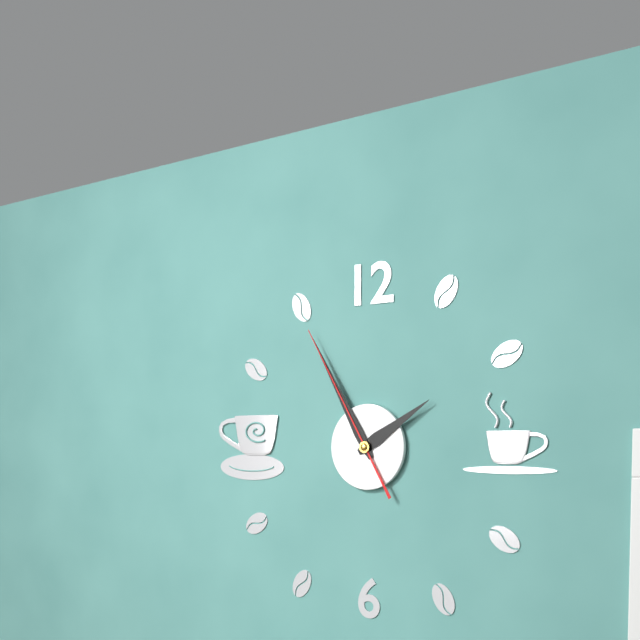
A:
**1:55:55**
